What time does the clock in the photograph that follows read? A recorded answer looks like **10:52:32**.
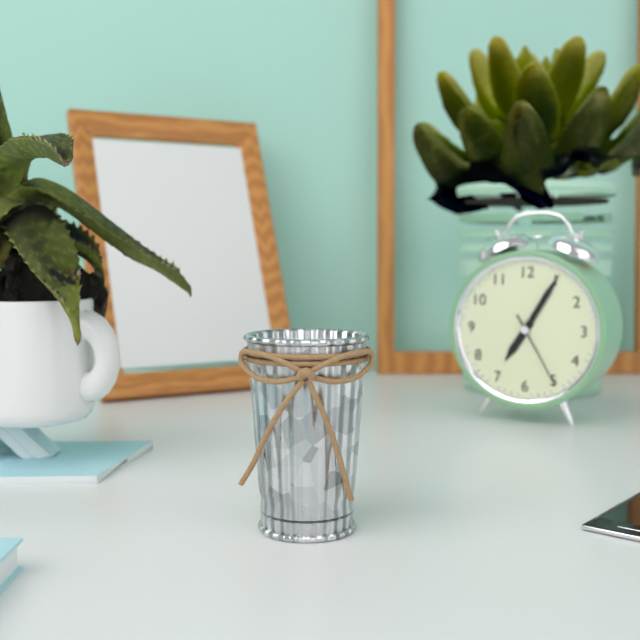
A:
**7:05:25**
